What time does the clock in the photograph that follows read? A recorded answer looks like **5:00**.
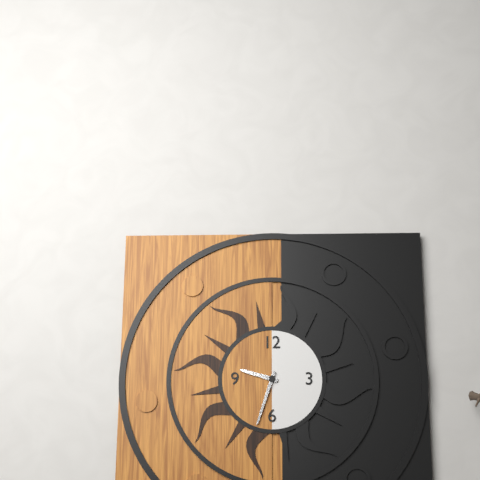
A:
**9:33**
